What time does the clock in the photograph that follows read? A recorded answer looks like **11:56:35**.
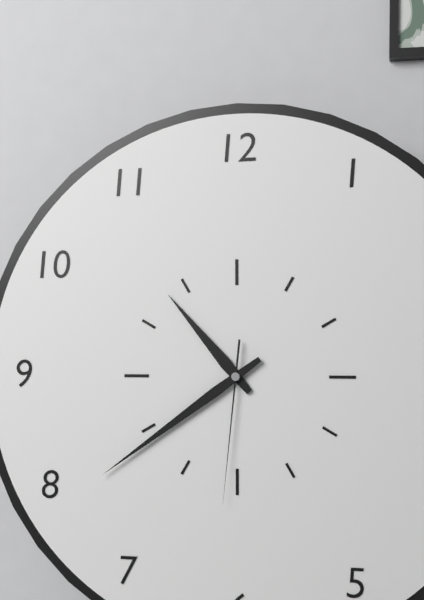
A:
**10:39:31**
